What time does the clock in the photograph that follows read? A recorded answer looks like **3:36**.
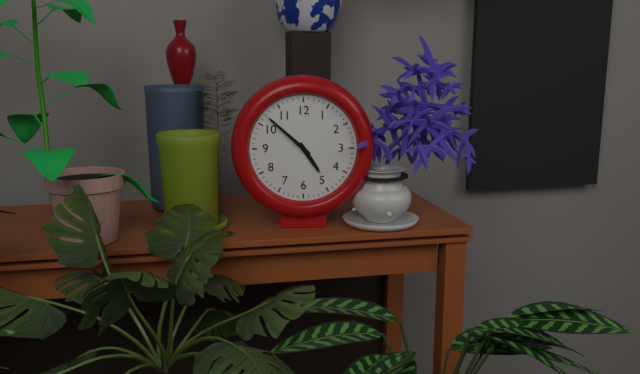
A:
**4:52**
